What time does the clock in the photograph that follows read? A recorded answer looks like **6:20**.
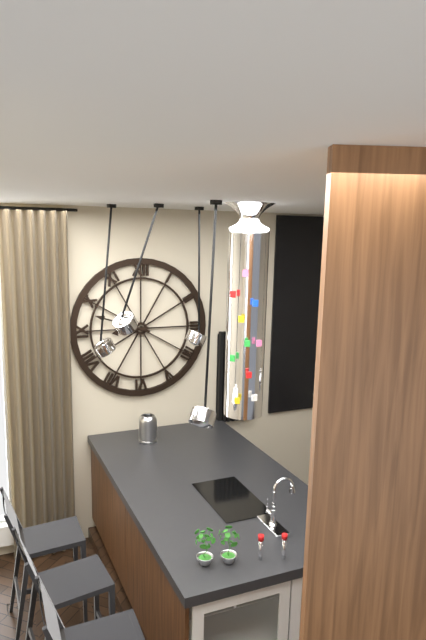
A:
**8:48**
